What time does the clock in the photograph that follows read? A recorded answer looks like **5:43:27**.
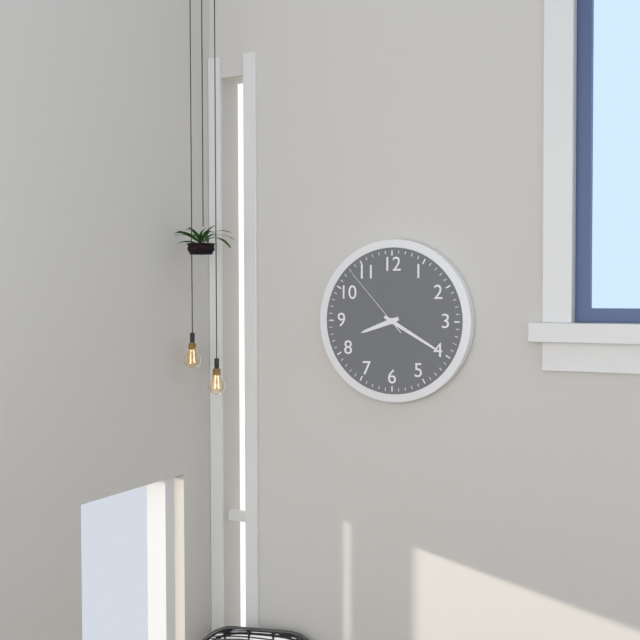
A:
**8:20:53**
